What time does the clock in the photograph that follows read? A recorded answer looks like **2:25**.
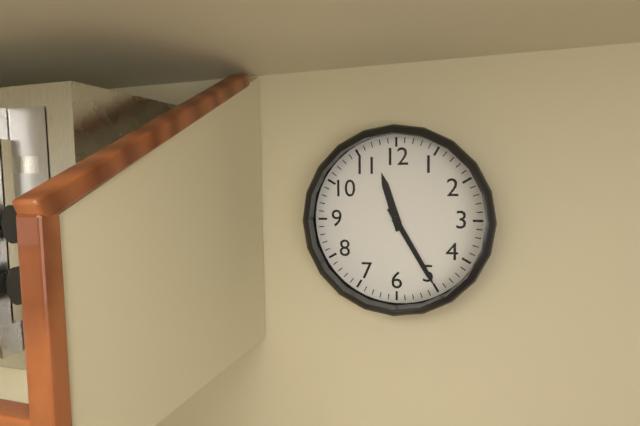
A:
**11:25**
